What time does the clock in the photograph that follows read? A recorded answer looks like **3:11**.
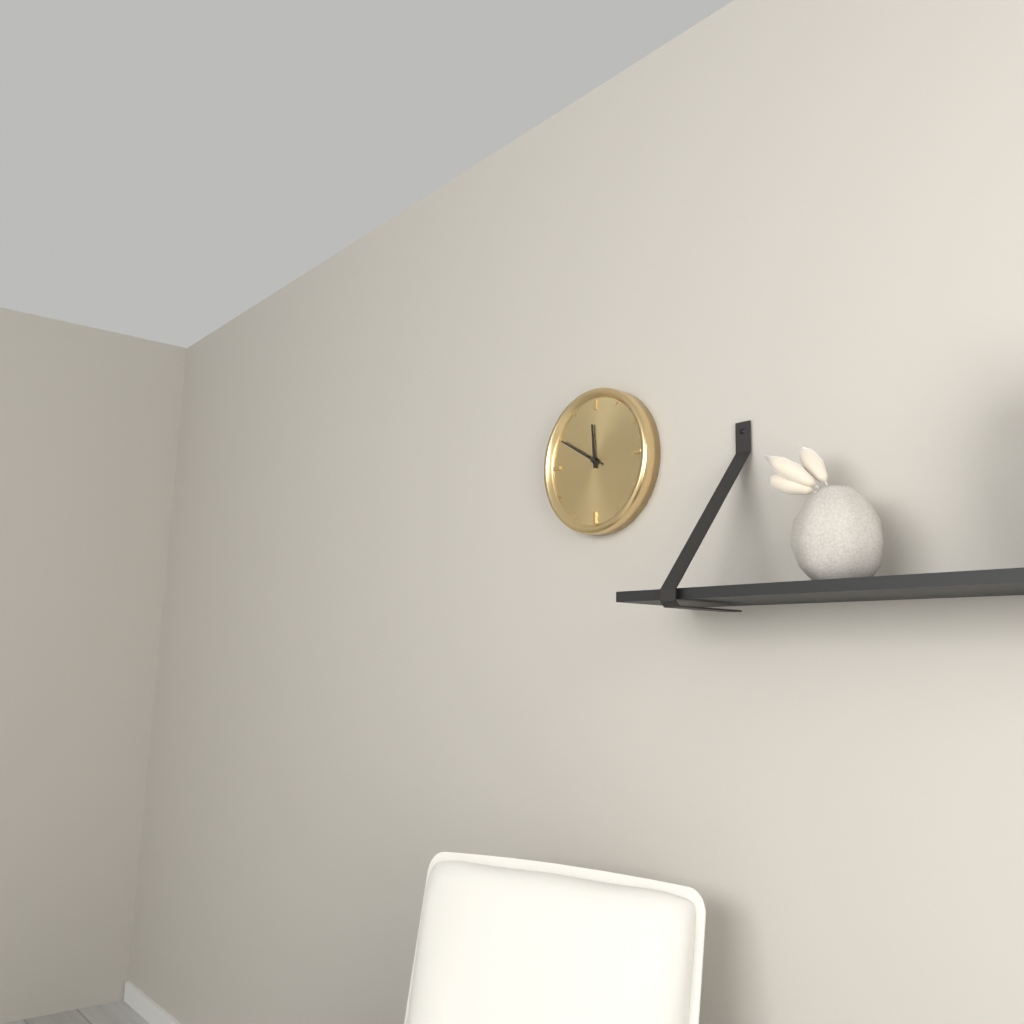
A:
**11:50**
